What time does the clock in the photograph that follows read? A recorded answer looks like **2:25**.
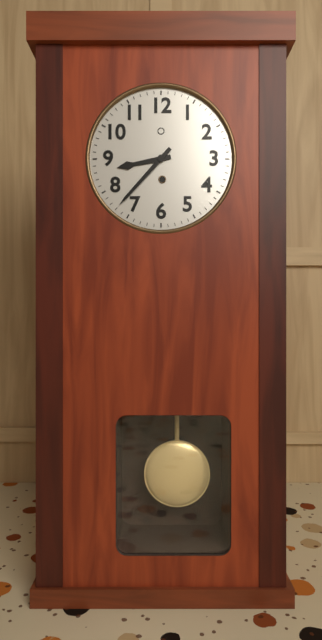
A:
**8:37**
